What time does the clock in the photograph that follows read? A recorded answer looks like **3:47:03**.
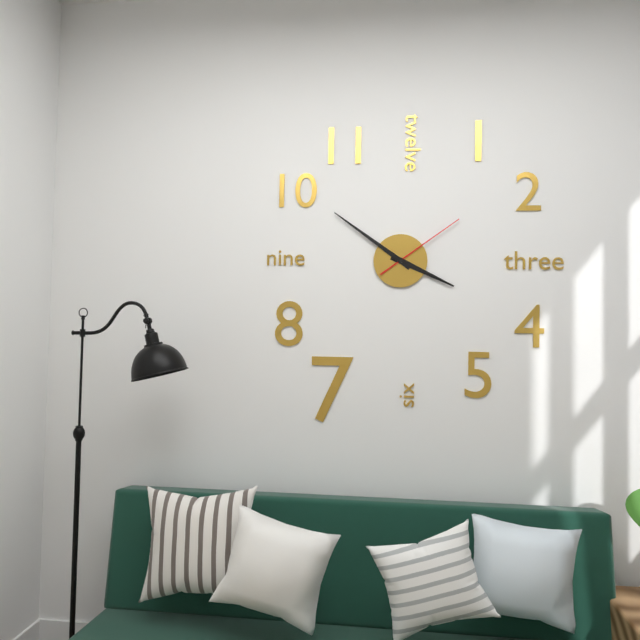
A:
**3:51:09**
